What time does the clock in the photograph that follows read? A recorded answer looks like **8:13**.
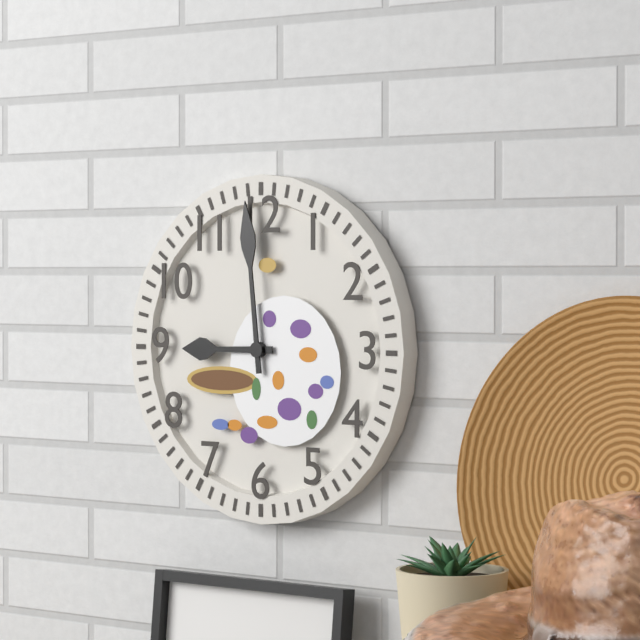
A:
**8:59**
